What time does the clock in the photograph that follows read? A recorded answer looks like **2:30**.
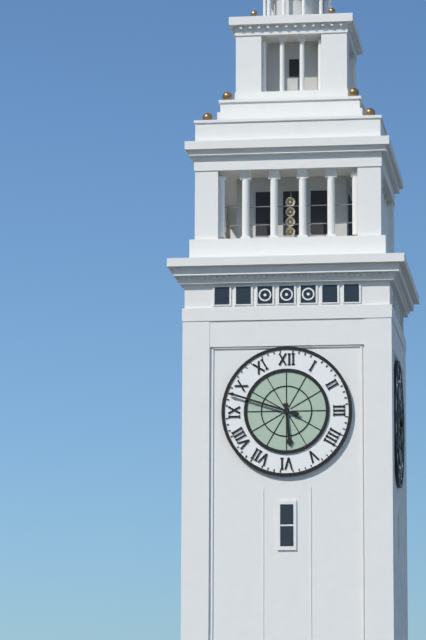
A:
**5:48**
